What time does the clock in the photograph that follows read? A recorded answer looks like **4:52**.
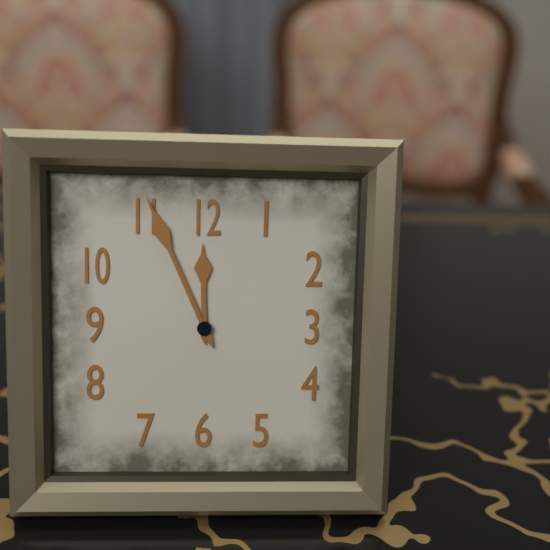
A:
**11:56**
